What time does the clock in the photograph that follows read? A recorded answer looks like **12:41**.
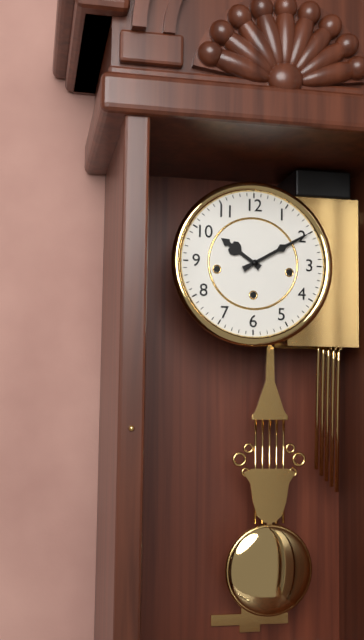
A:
**10:10**
